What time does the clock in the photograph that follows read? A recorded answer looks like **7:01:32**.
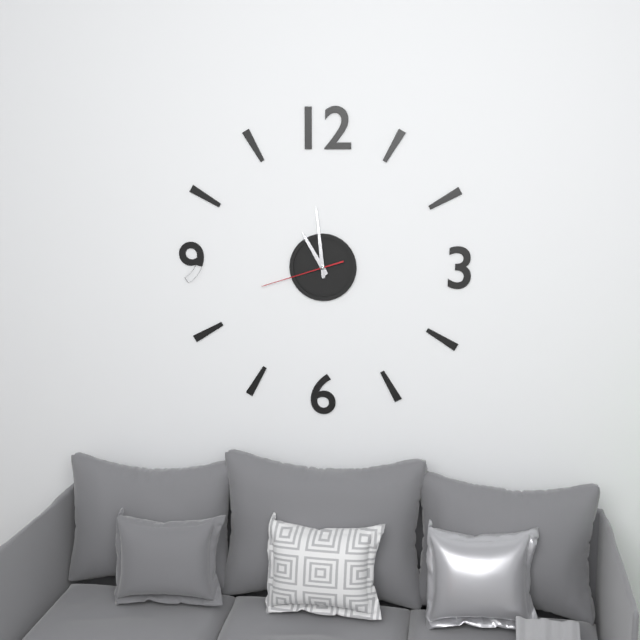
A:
**10:59:42**
